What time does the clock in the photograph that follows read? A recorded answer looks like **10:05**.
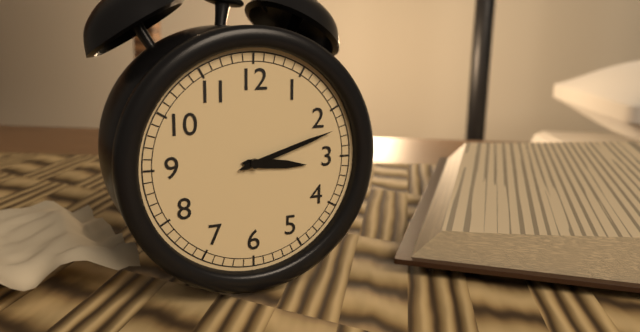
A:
**3:12**
